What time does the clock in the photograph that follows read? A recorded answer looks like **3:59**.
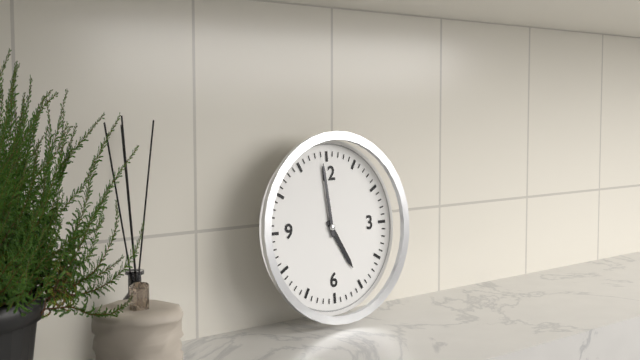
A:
**4:59**
